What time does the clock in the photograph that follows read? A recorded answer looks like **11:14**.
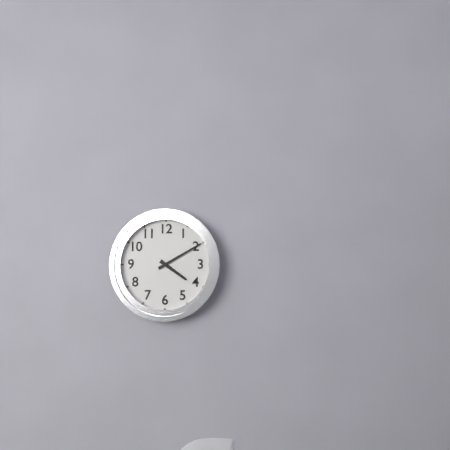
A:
**4:10**
